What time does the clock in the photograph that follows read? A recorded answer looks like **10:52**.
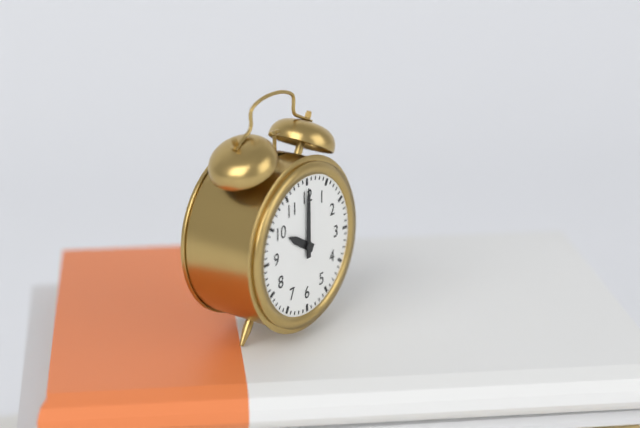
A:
**10:00**
